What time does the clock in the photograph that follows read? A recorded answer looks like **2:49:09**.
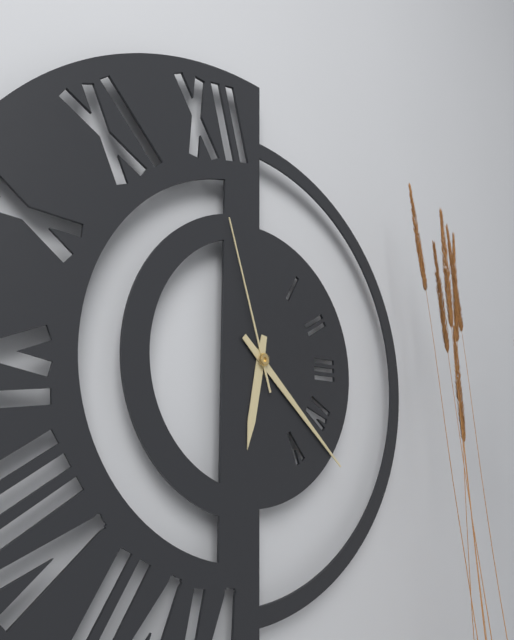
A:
**6:22:57**
